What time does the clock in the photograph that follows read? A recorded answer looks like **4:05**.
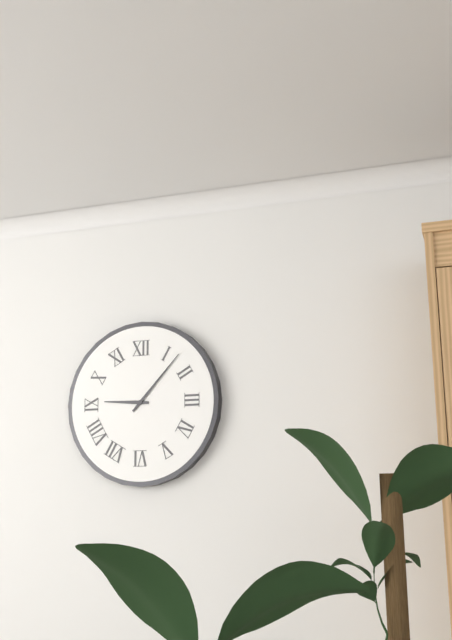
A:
**9:07**
